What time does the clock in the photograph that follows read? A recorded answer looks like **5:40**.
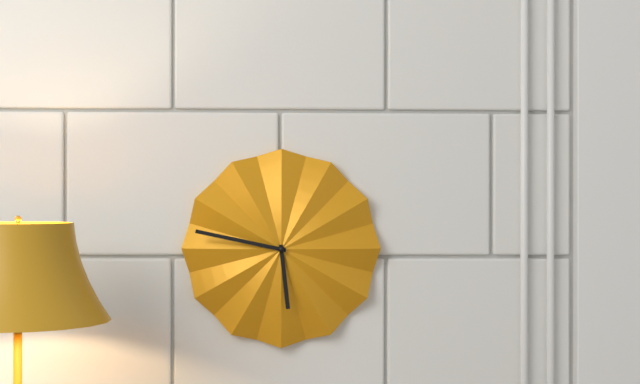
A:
**5:47**
